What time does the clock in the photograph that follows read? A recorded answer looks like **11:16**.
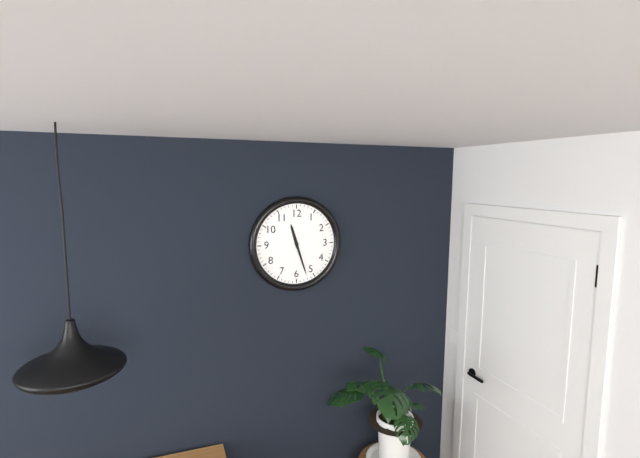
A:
**11:27**
